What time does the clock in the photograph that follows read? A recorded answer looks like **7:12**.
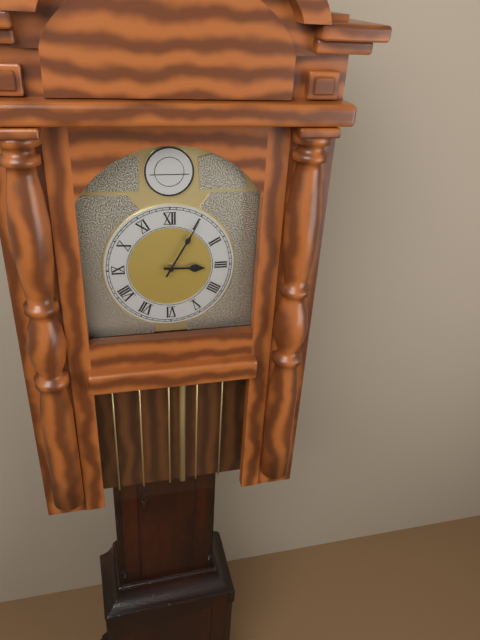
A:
**3:05**
